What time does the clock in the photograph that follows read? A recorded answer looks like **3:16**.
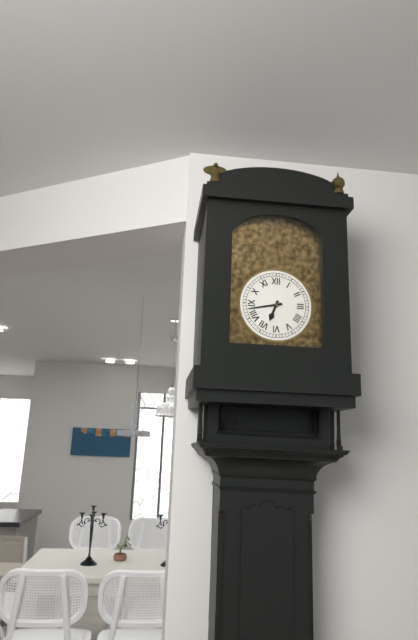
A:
**6:43**
